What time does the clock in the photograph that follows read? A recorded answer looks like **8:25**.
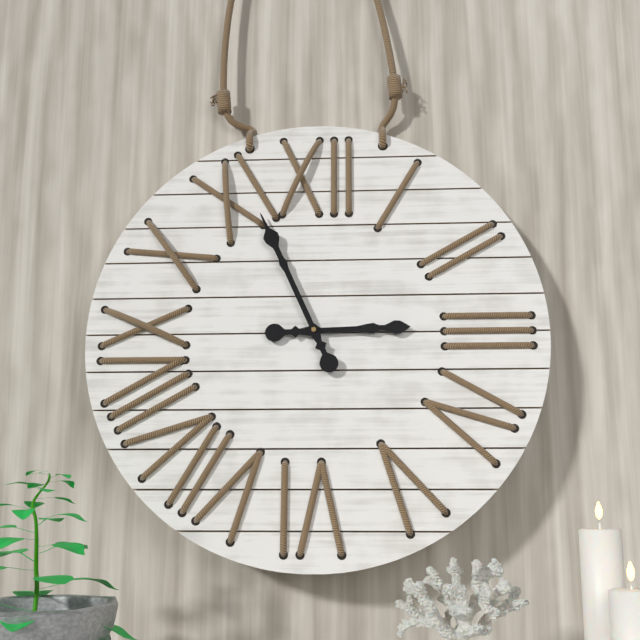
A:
**2:56**
